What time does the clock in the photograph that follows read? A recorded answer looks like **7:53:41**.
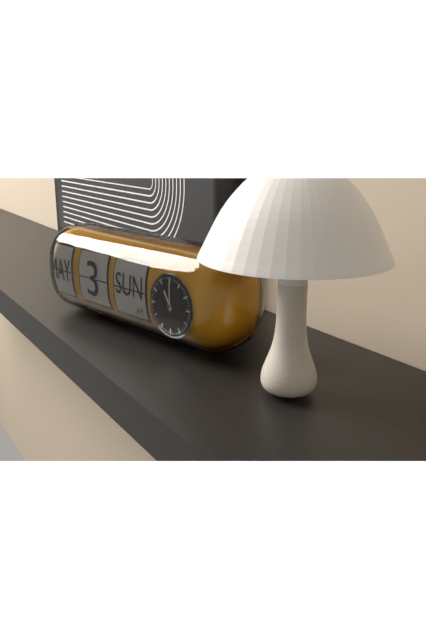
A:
**11:00:53**
